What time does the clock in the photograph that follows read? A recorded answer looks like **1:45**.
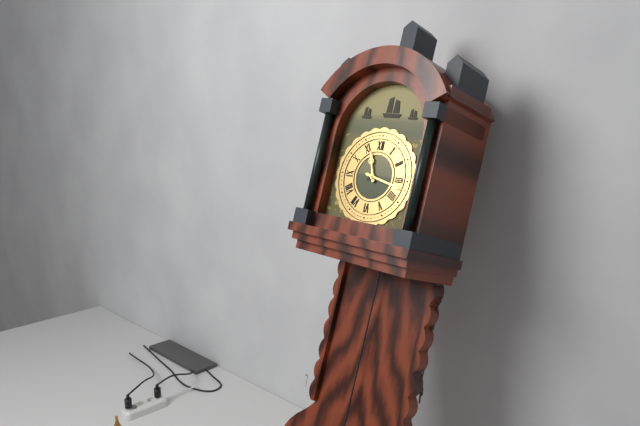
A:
**11:17**
